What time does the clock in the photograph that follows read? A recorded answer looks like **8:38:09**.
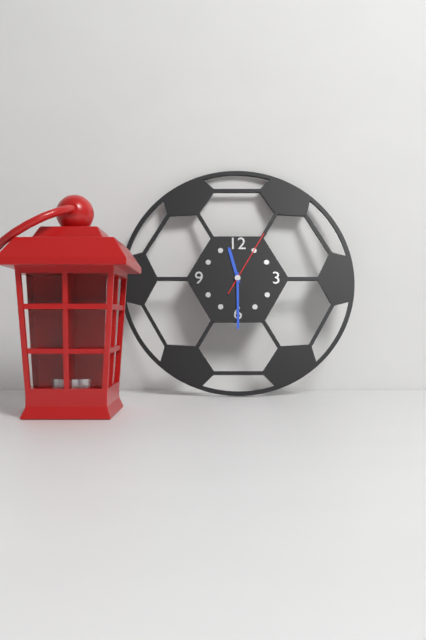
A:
**11:30:05**
